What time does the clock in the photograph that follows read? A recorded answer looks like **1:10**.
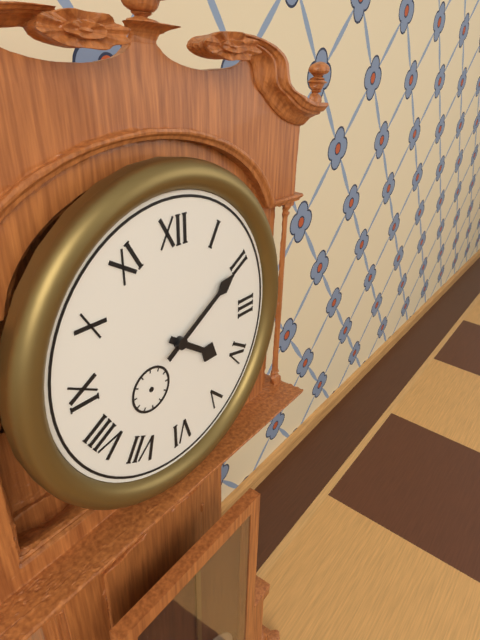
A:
**4:10**
